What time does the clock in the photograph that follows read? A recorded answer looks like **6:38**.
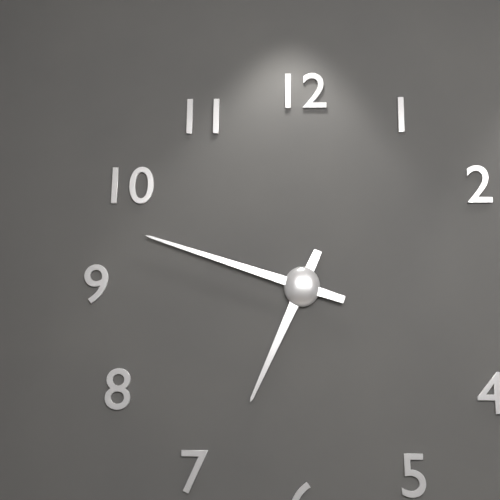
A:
**6:48**
